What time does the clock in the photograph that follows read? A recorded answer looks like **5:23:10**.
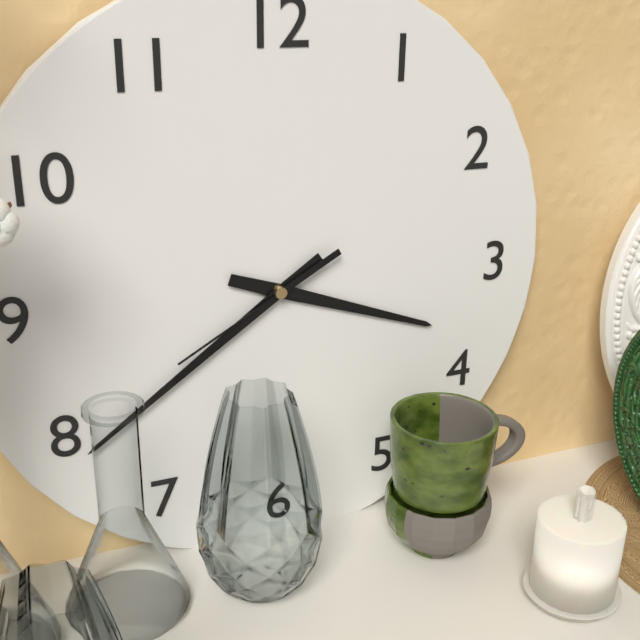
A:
**3:39:40**
